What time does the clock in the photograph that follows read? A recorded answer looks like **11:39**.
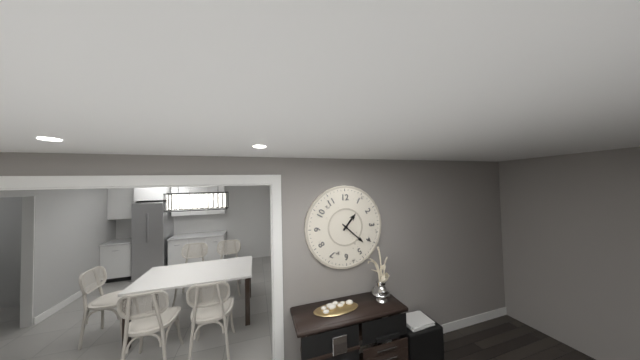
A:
**1:22**
